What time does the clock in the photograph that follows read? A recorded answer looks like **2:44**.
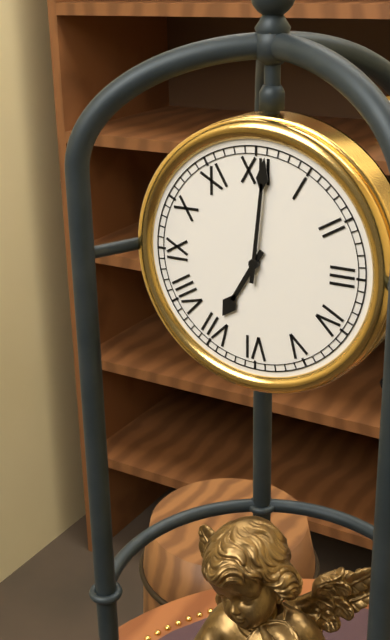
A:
**7:01**
